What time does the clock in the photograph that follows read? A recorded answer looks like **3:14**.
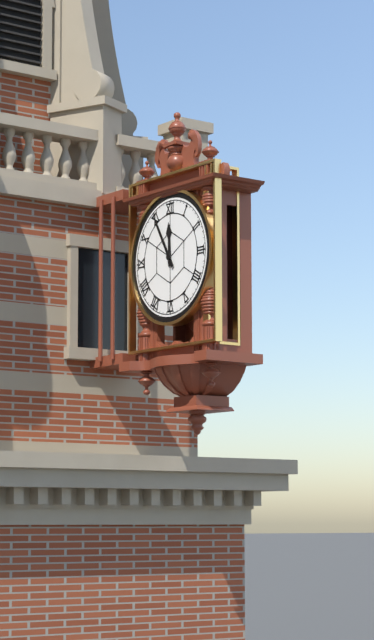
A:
**11:55**
